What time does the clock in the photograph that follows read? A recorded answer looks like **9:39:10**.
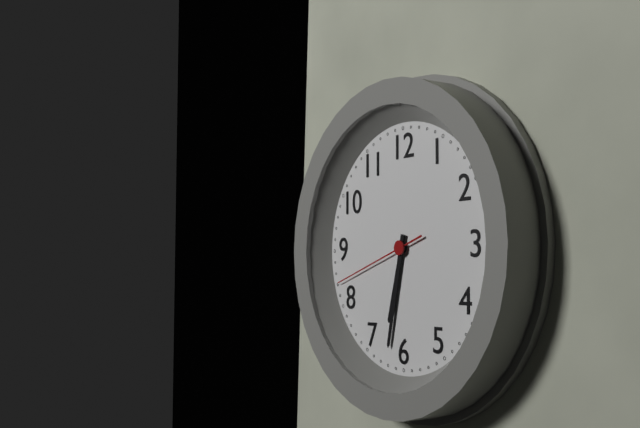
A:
**6:32:42**
